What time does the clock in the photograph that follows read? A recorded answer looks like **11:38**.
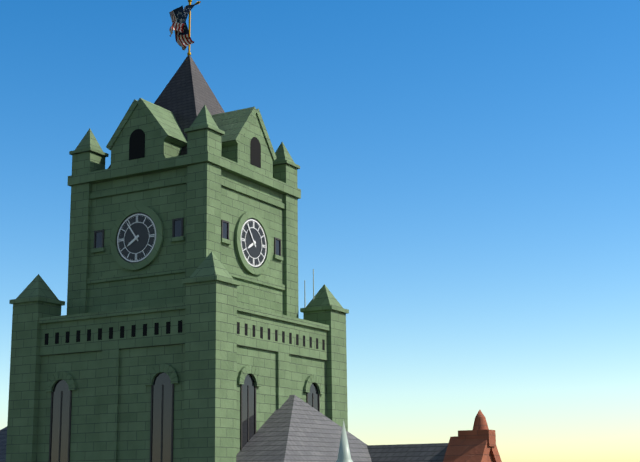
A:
**7:54**
